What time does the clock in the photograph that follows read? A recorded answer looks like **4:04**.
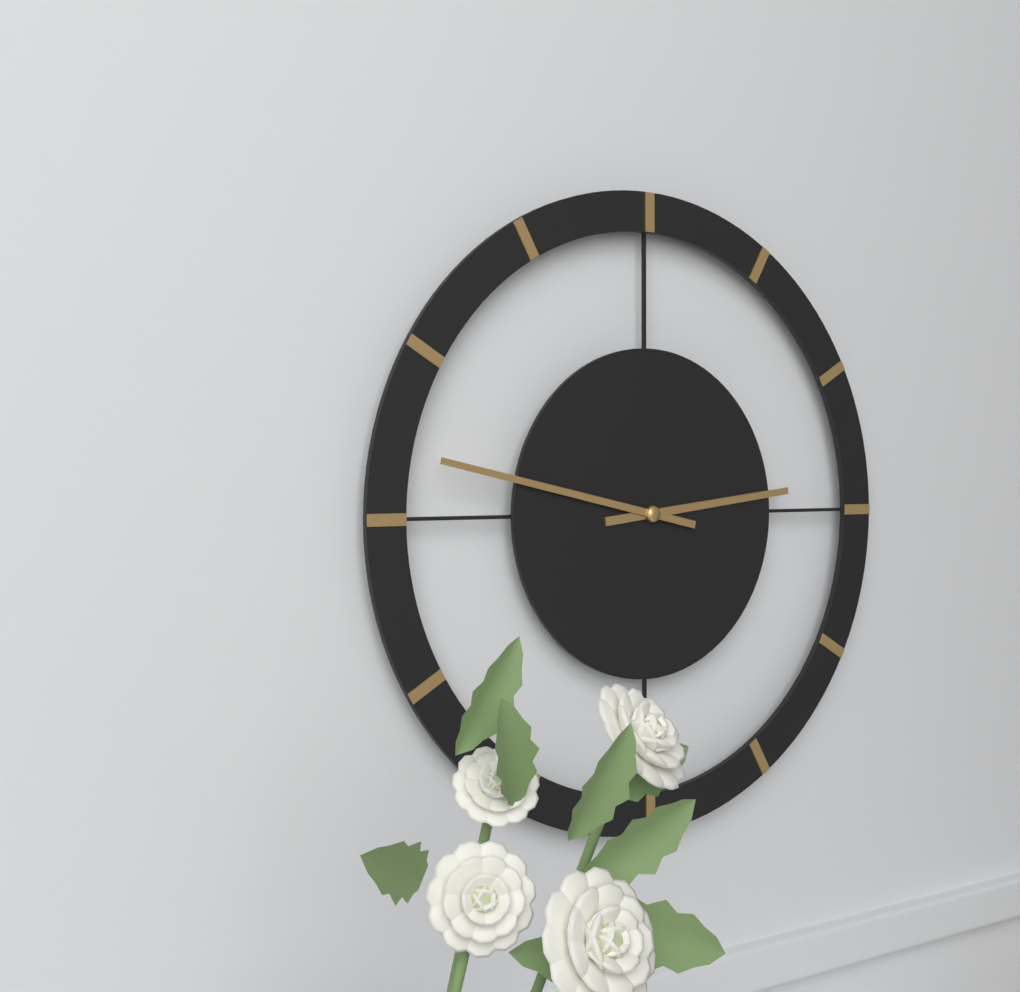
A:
**2:47**
